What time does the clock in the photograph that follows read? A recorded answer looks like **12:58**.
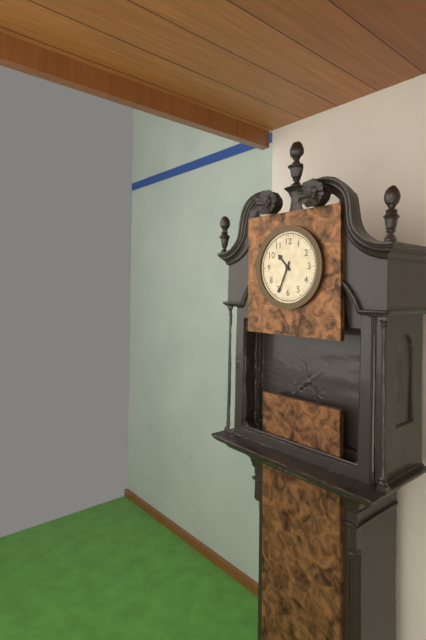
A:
**10:34**
